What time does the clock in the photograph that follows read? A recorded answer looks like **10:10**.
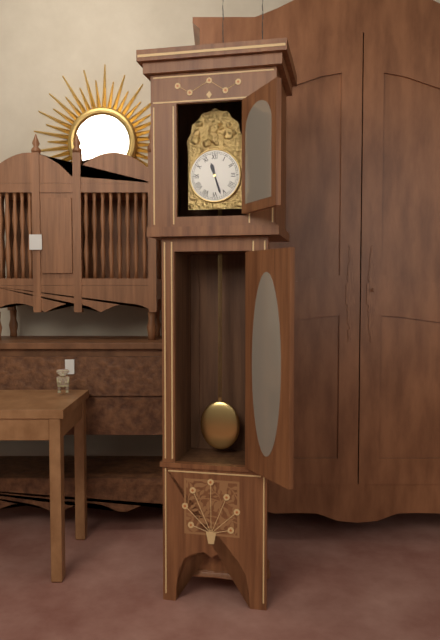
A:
**11:27**
